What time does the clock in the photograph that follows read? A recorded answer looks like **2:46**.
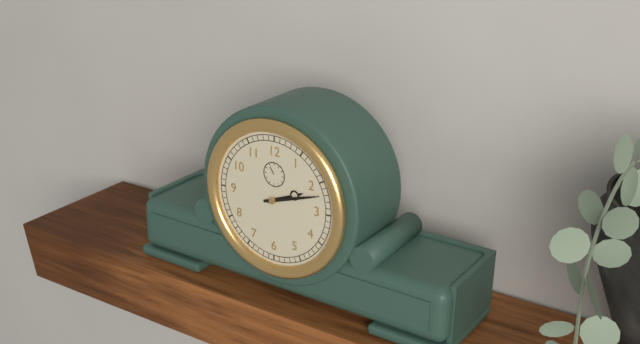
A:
**2:12**
